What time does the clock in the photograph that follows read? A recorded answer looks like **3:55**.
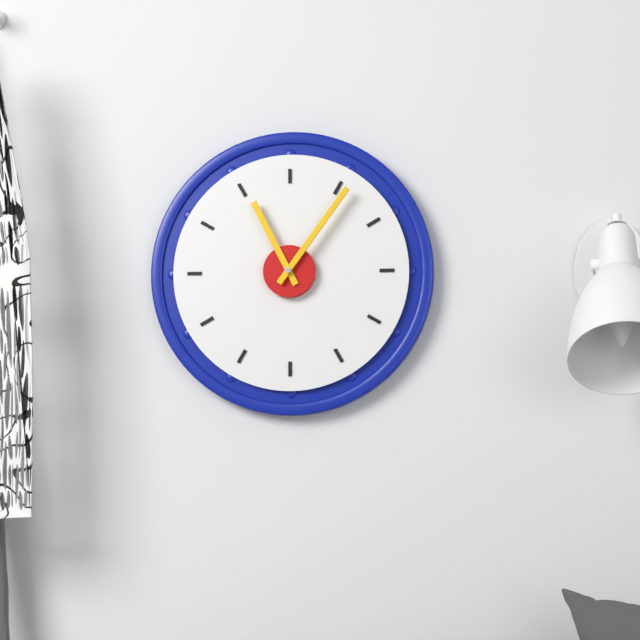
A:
**11:06**
